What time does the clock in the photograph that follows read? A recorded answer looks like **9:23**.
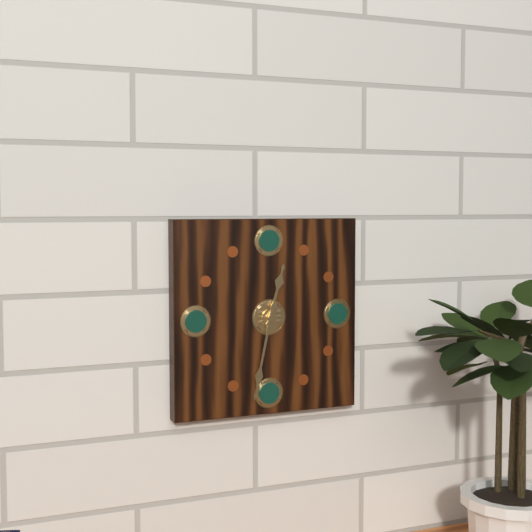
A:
**12:32**
